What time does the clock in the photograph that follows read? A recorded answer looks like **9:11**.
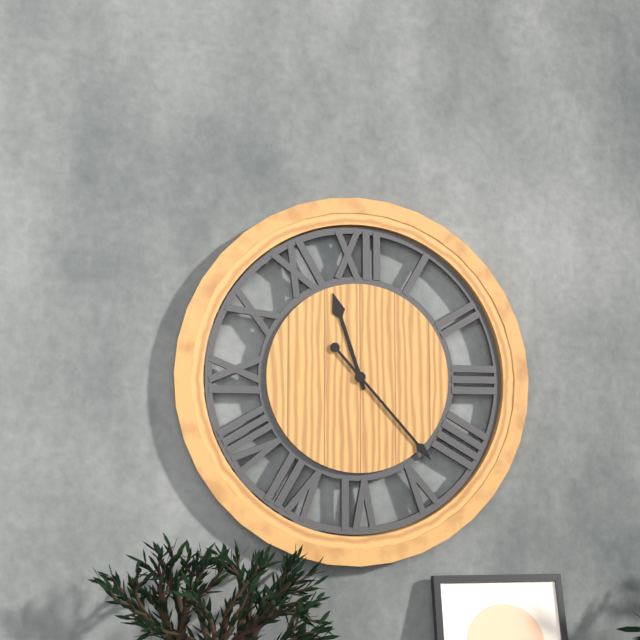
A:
**11:23**
